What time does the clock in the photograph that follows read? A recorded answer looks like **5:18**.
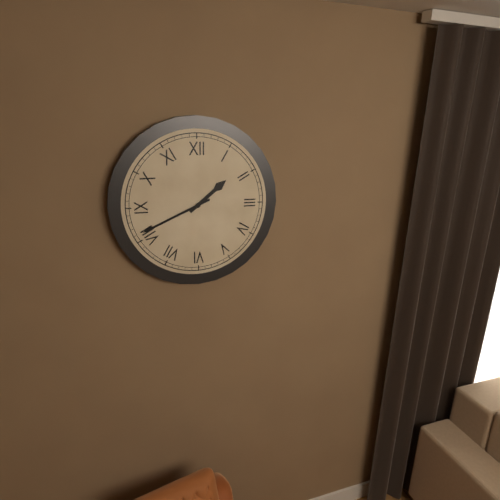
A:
**1:41**
